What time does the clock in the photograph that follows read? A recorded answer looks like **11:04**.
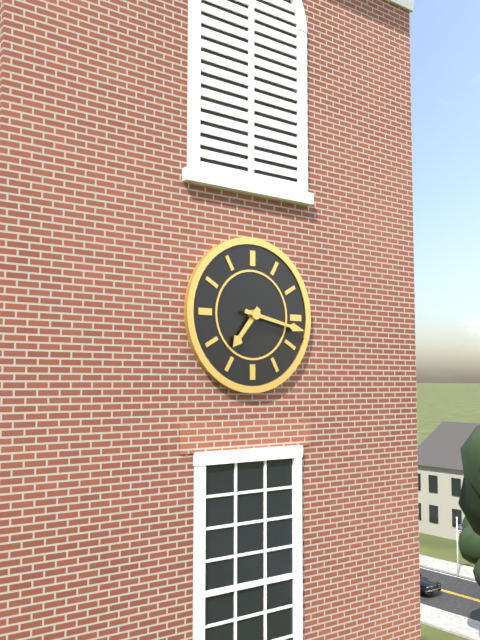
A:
**7:17**
